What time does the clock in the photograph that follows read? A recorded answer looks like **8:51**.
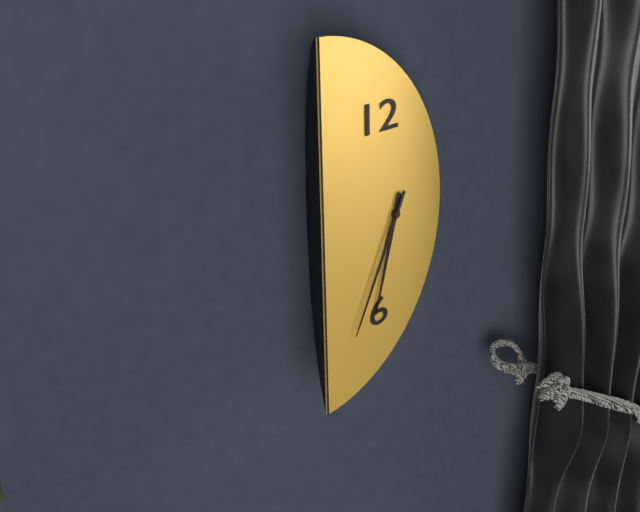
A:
**6:35**
